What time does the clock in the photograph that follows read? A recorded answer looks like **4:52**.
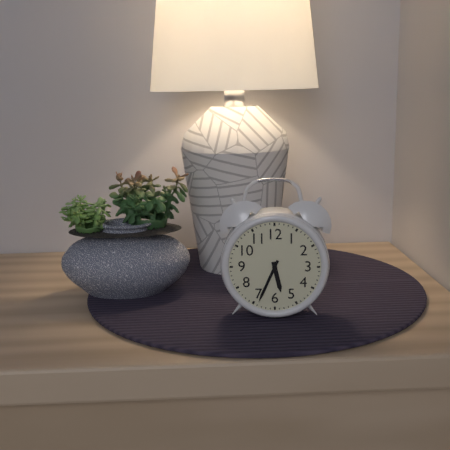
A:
**5:34**
